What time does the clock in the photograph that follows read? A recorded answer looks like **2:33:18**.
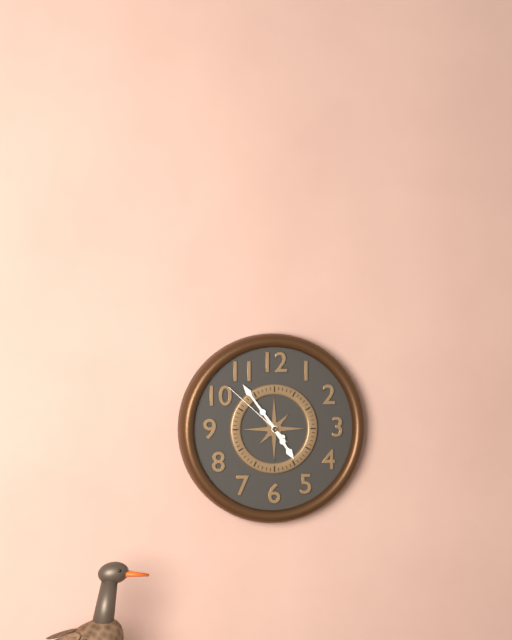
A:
**4:54:52**
